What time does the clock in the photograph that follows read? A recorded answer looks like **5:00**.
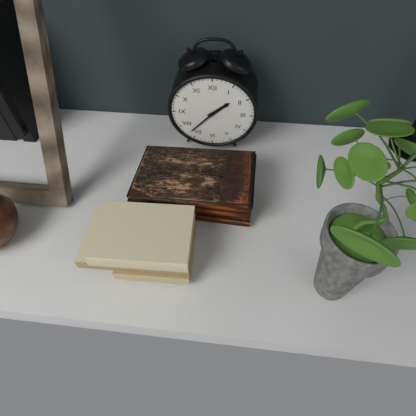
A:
**1:37**
